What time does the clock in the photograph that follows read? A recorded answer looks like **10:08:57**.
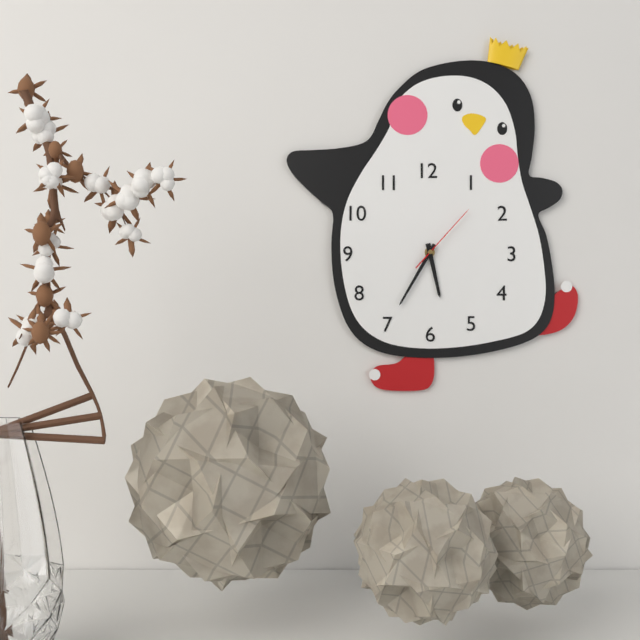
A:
**5:35:07**
